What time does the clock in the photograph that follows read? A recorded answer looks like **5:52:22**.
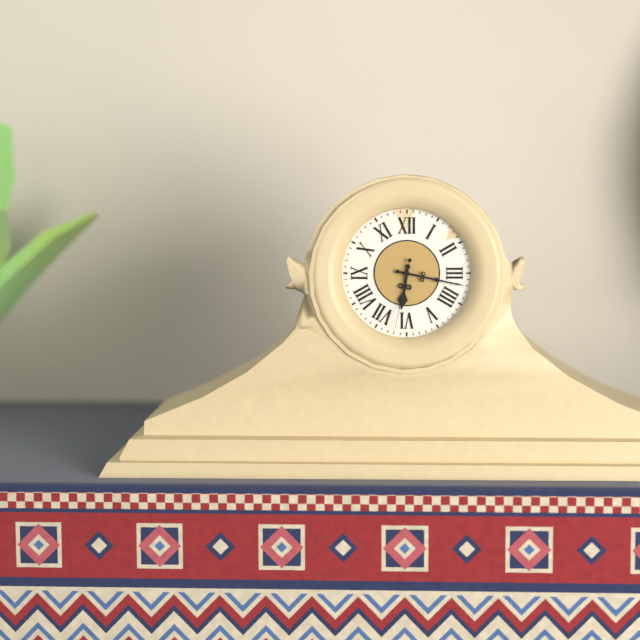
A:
**6:17:32**
